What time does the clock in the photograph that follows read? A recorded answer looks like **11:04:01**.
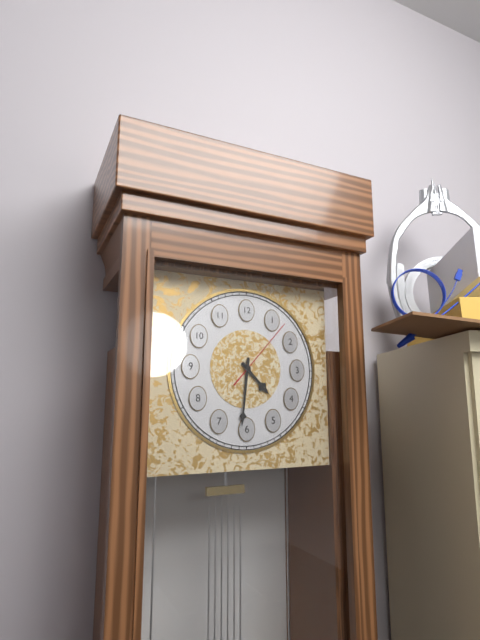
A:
**4:31:07**
